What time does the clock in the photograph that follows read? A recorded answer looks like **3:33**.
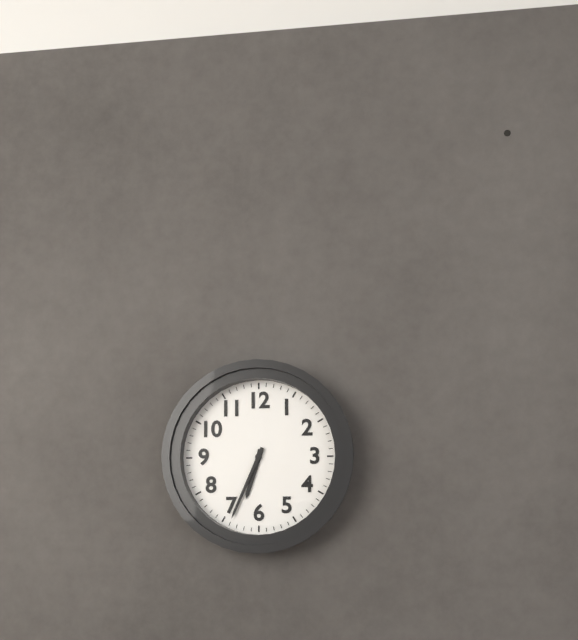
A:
**6:34**
